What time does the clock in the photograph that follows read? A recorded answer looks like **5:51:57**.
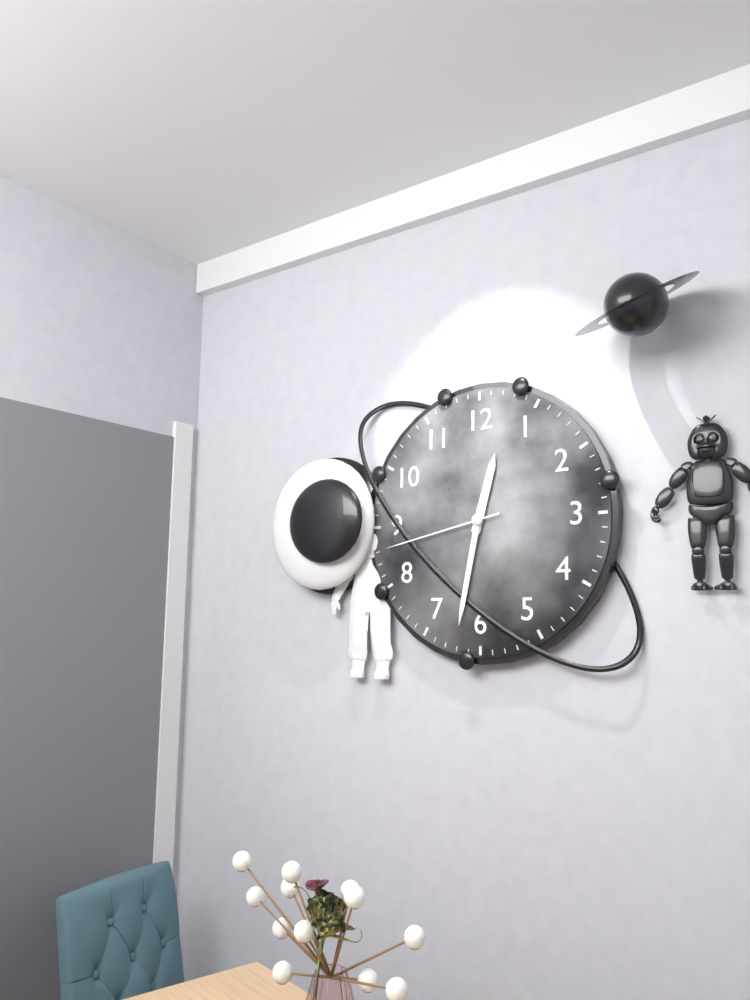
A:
**12:32:43**
